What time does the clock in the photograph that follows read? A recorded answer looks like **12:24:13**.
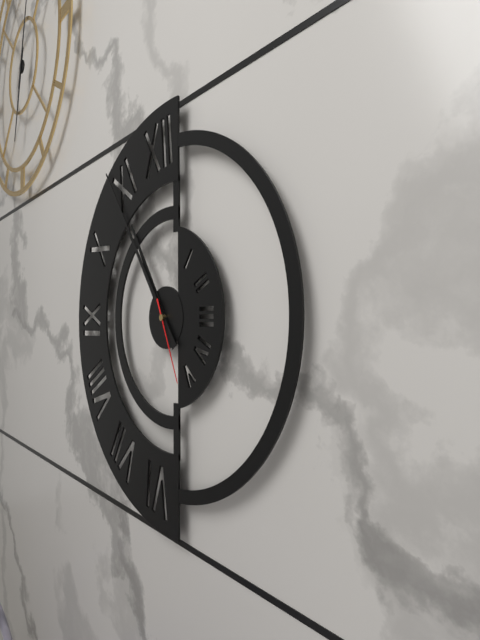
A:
**10:54:26**
